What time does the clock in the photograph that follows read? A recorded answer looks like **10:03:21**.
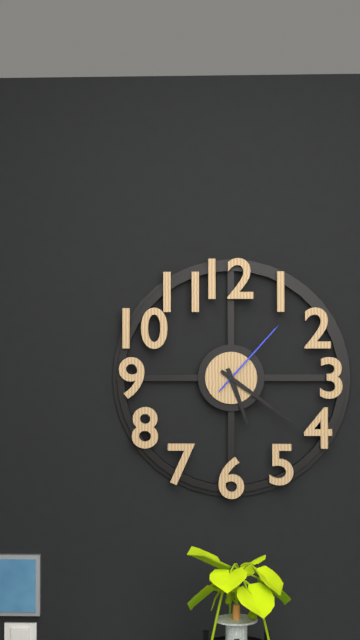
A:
**5:21:07**
